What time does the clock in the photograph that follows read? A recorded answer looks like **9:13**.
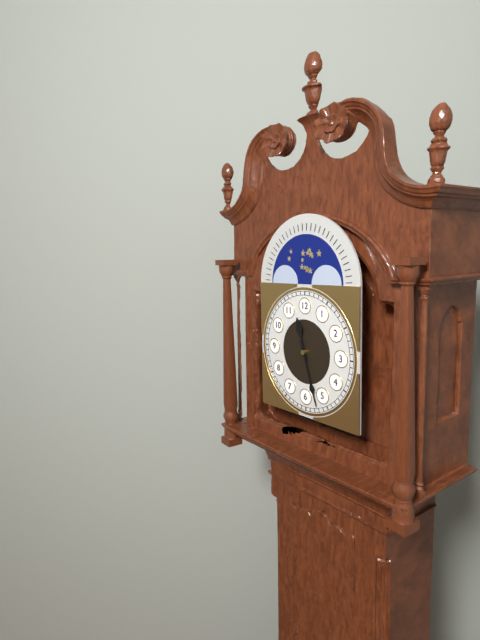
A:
**11:27**
